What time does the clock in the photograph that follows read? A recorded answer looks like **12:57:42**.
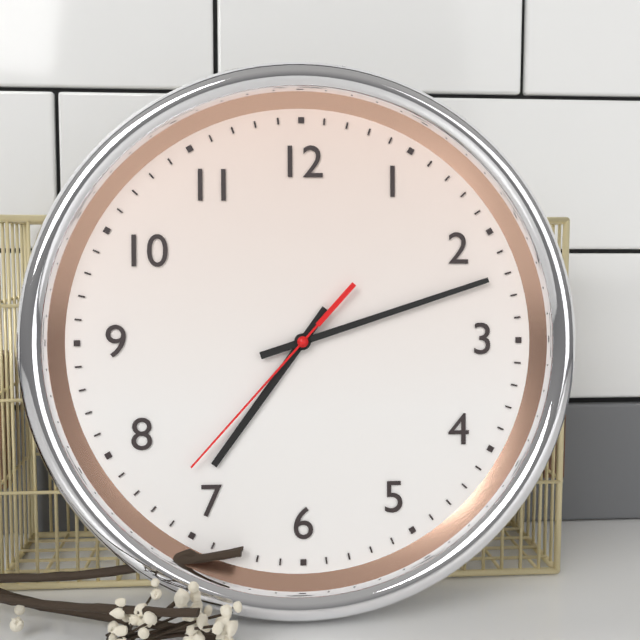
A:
**7:12:37**
